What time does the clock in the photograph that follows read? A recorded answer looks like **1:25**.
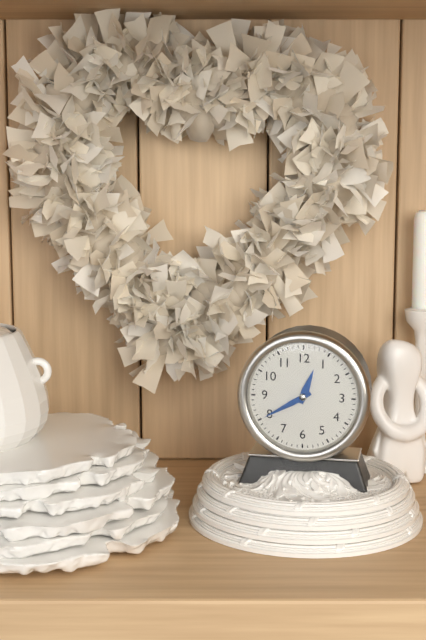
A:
**12:40**
